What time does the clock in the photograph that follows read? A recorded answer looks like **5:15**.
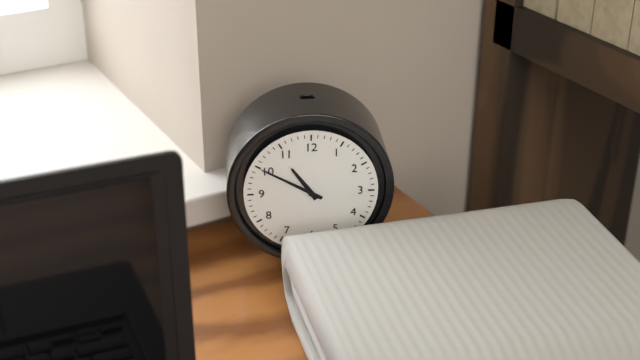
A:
**10:50**
